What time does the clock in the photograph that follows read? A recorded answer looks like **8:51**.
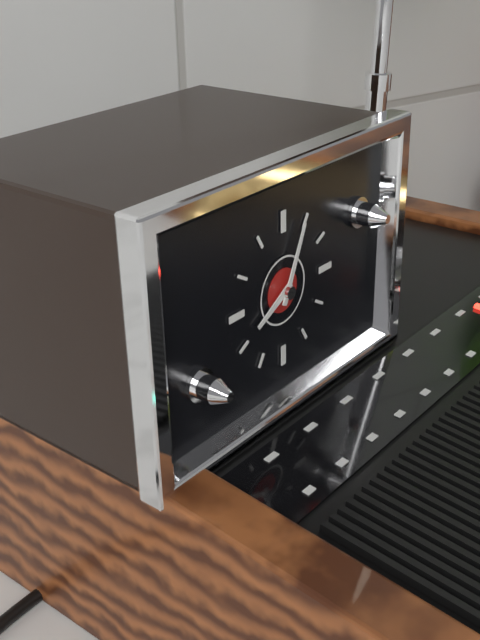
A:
**8:04**
